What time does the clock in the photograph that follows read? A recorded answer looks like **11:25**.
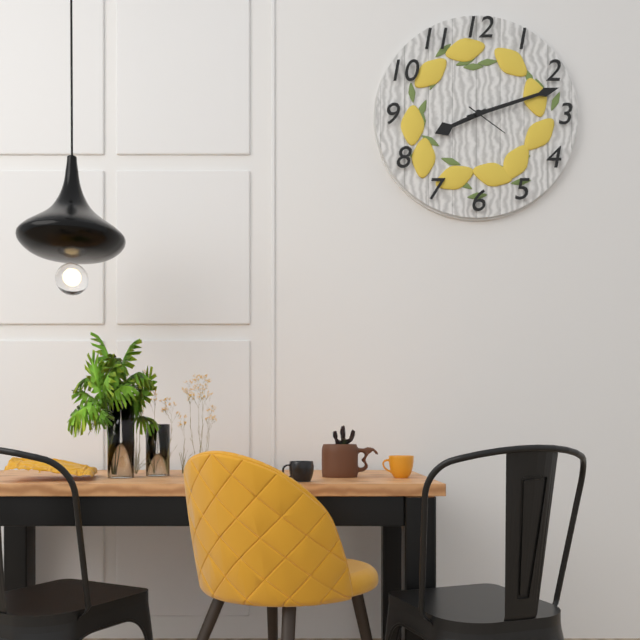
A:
**8:12**
